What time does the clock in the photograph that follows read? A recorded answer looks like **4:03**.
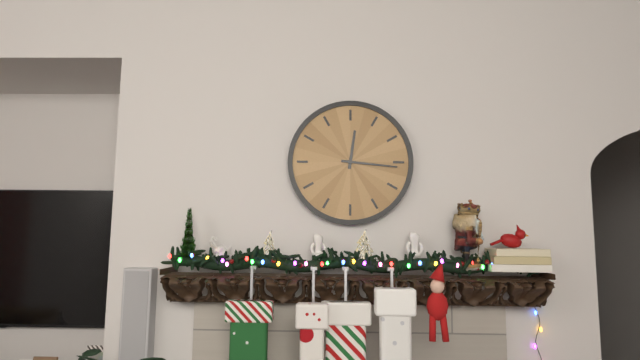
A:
**12:16**
